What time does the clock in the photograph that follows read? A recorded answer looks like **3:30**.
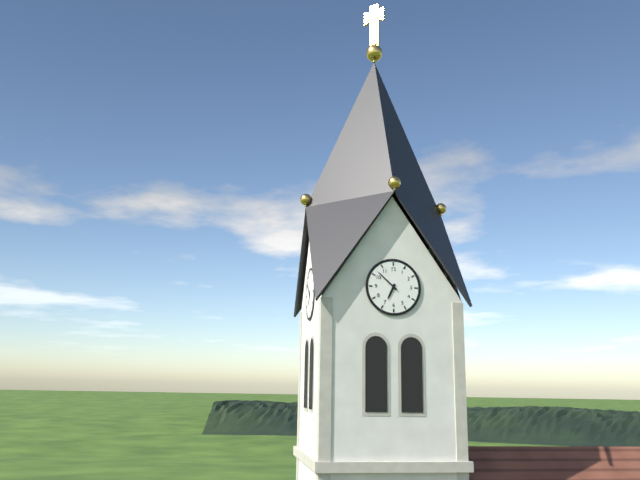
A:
**6:52**
